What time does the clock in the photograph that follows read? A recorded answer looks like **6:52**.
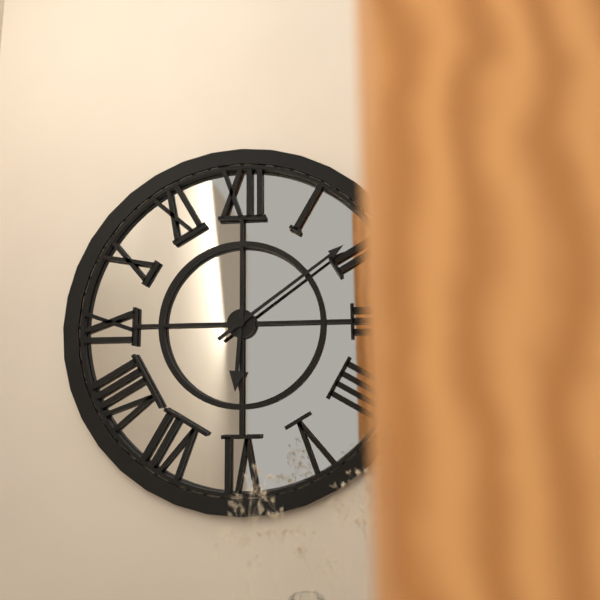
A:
**6:09**
